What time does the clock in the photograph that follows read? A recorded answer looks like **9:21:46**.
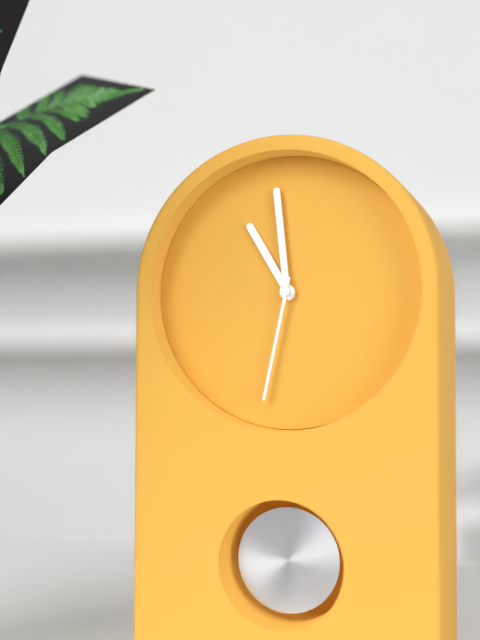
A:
**10:59:32**
